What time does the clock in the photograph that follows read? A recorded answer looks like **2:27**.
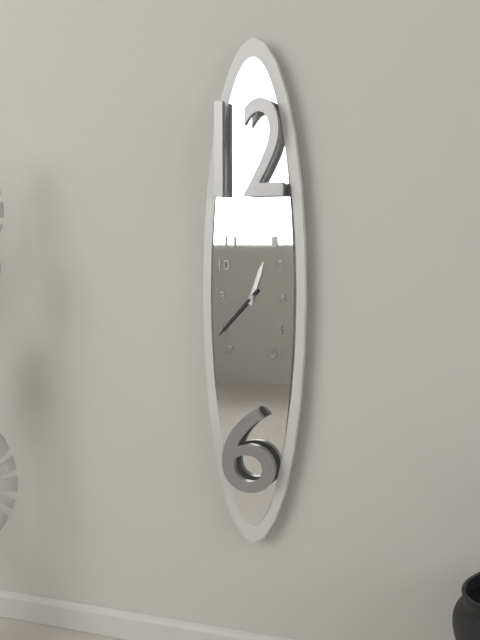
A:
**12:37**
